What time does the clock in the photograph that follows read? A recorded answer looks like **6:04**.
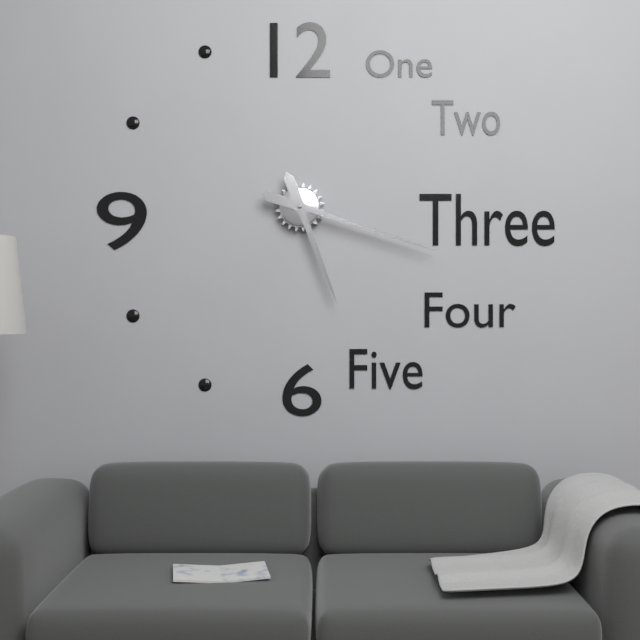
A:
**5:18**
